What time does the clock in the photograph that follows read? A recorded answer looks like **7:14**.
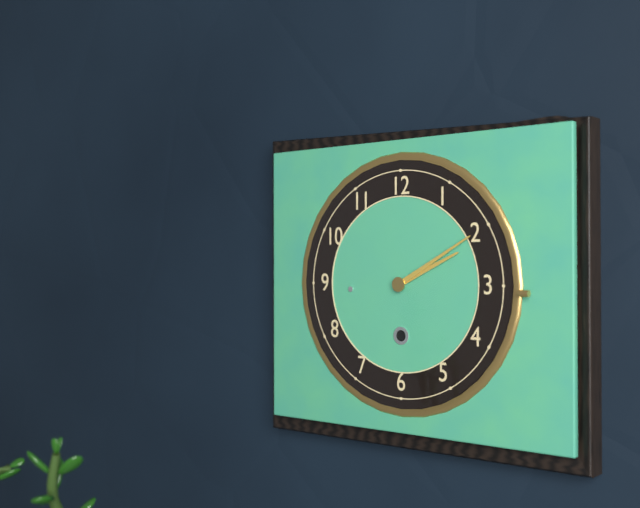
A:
**2:10**
